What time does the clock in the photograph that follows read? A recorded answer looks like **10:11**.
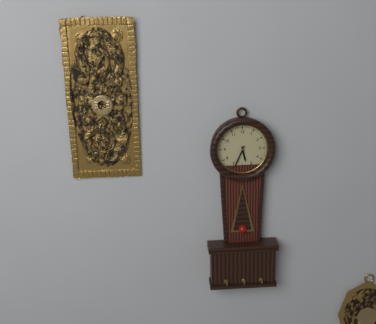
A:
**5:34**
